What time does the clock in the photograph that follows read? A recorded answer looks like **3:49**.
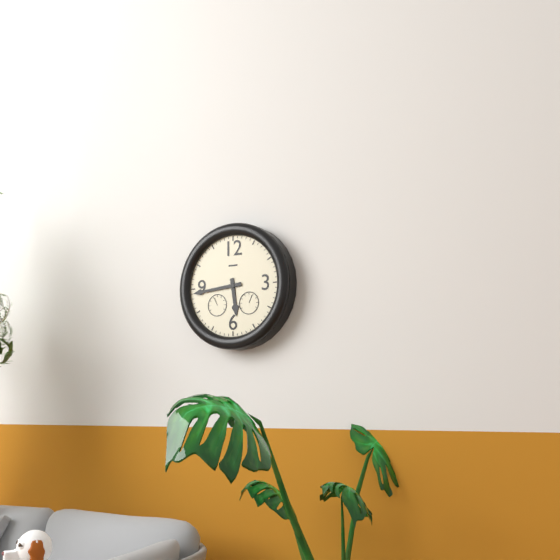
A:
**5:44**
